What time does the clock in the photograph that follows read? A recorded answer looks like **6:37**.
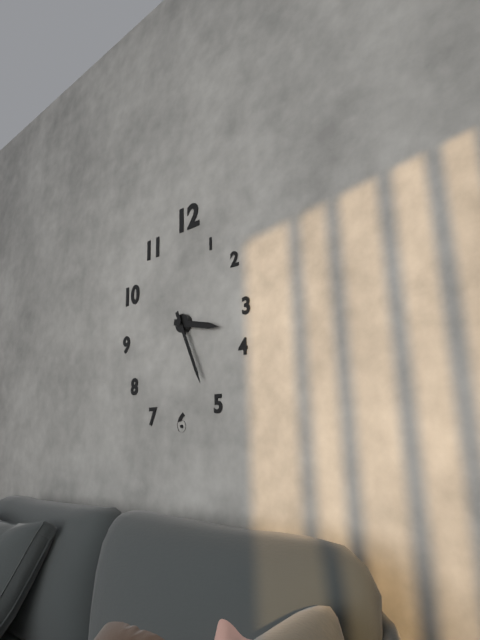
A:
**3:26**
